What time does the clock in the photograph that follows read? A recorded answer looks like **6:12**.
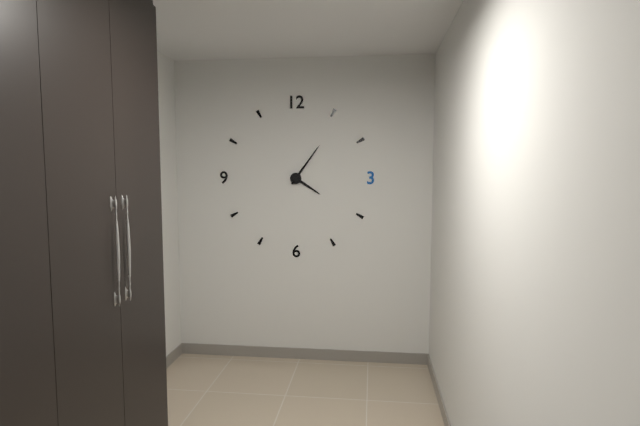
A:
**4:06**
